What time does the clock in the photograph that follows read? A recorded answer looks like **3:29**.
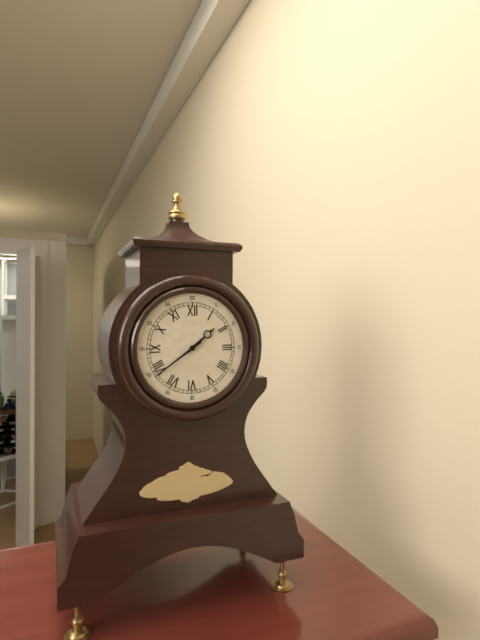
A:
**1:39**
